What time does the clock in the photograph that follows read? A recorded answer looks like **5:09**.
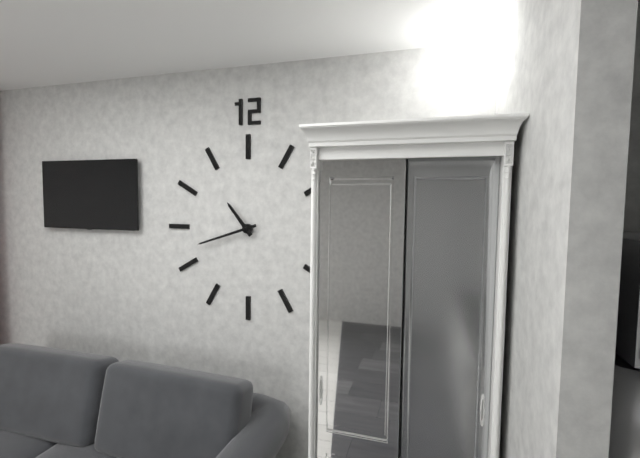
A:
**10:42**
